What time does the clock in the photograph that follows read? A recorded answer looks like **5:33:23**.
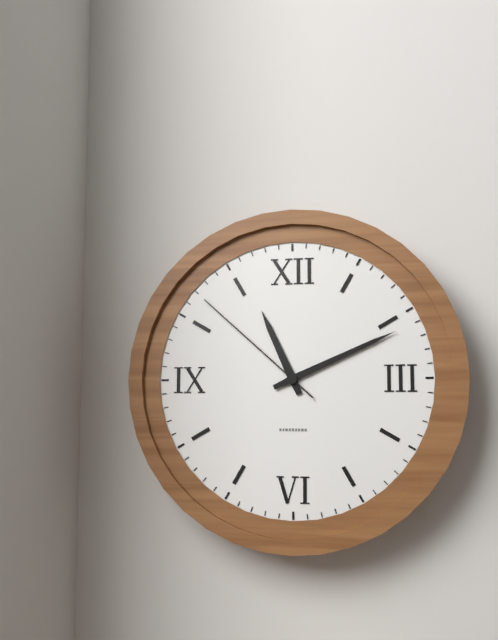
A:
**11:11:52**
